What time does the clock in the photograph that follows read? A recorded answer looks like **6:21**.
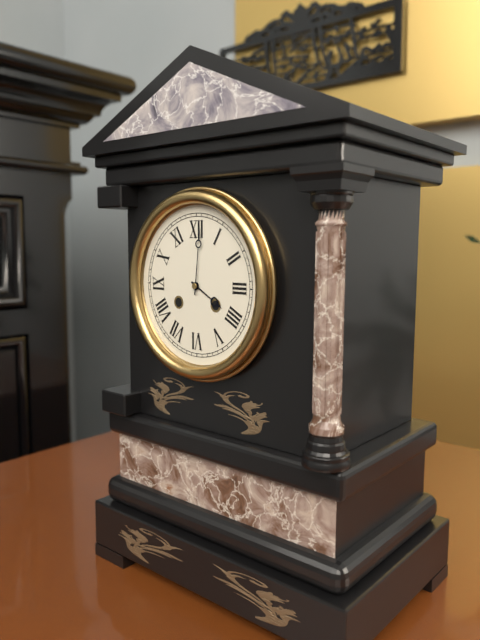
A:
**4:01**
